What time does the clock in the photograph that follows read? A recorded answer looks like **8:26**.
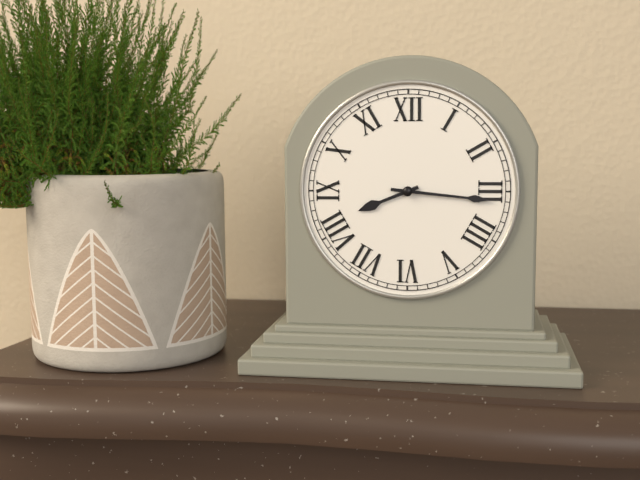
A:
**8:16**
